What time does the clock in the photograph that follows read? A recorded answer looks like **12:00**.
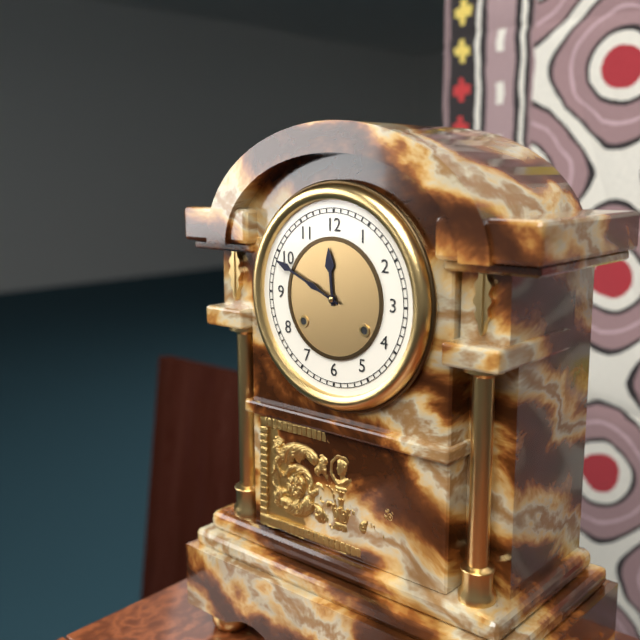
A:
**11:49**
